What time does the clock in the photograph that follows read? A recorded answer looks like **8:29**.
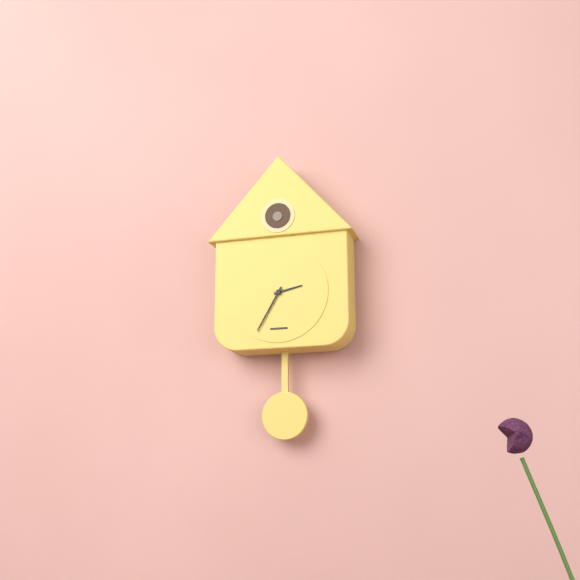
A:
**2:35**
